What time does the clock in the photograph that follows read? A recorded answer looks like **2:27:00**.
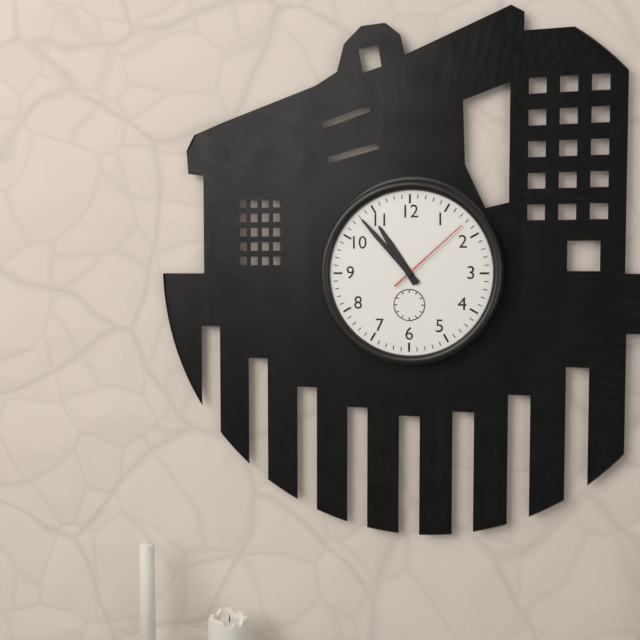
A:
**10:53:08**
